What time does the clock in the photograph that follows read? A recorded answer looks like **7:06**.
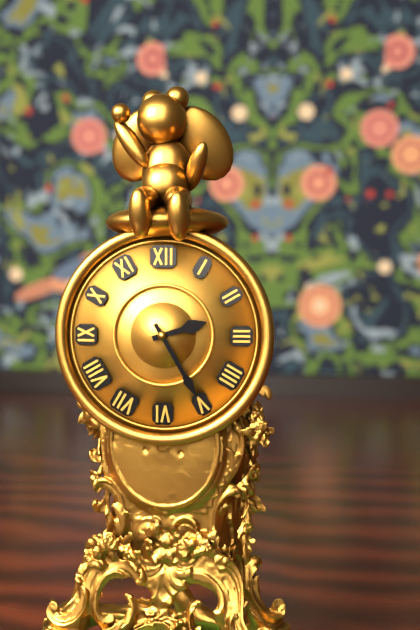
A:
**2:25**
